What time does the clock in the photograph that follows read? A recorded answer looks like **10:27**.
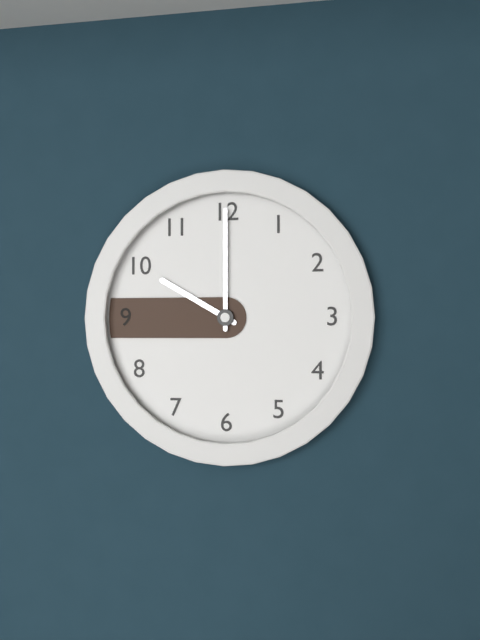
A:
**10:00**
